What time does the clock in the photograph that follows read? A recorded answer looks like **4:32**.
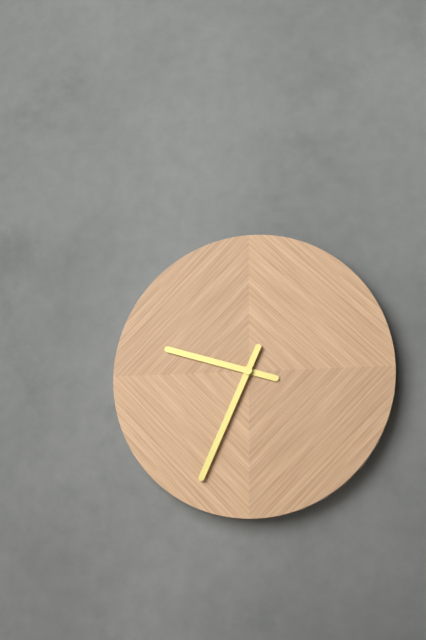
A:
**9:34**
